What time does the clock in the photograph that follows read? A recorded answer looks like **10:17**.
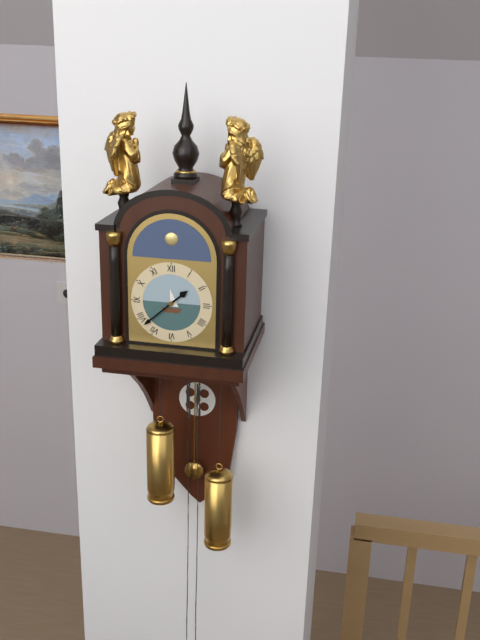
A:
**1:38**
